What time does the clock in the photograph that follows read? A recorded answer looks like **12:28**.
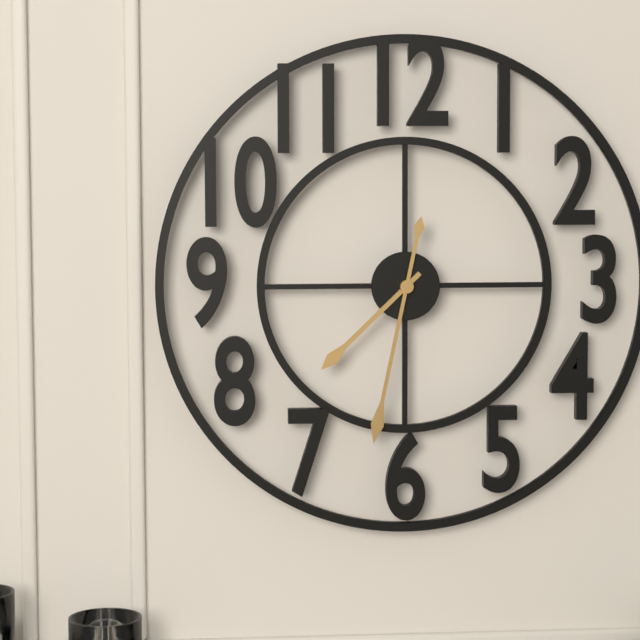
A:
**7:32**
